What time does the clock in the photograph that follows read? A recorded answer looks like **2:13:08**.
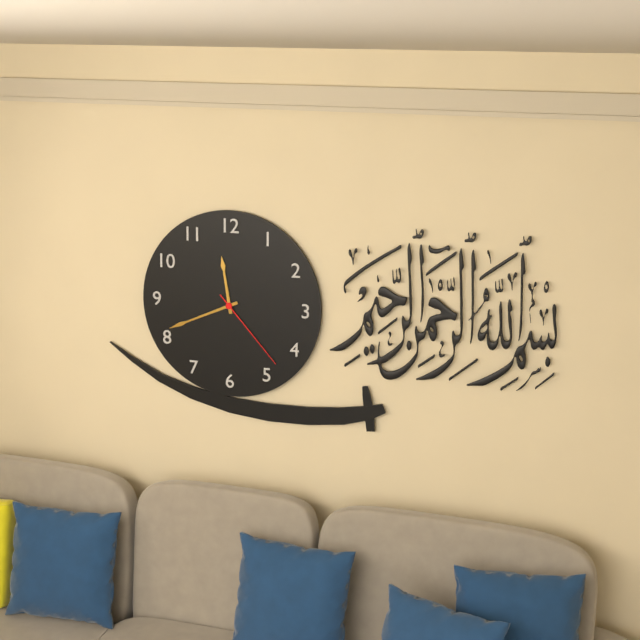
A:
**11:41:23**
